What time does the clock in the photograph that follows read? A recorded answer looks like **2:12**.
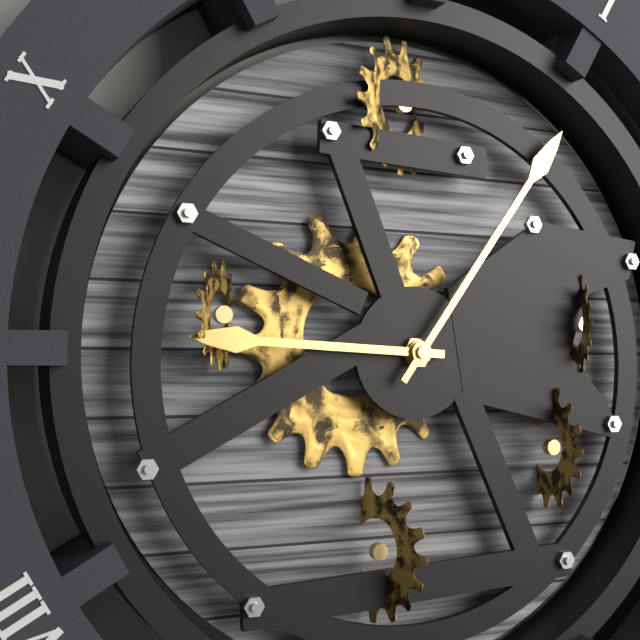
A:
**9:06**
